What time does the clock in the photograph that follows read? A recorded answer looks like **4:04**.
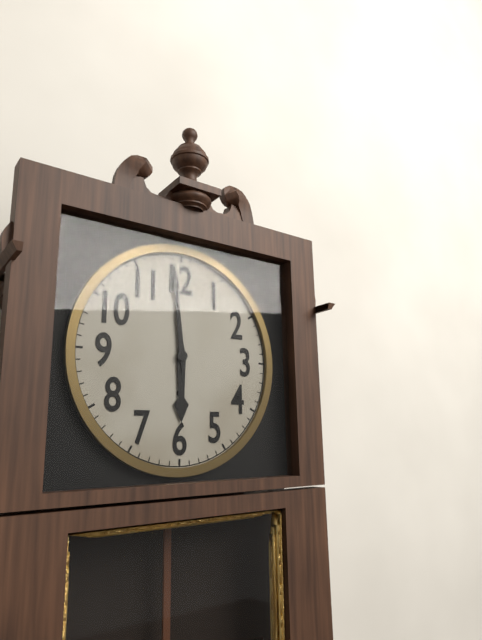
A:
**5:59**
